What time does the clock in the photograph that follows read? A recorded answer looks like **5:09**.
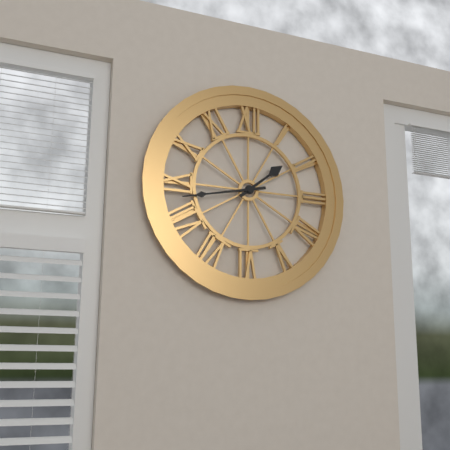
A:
**1:43**
